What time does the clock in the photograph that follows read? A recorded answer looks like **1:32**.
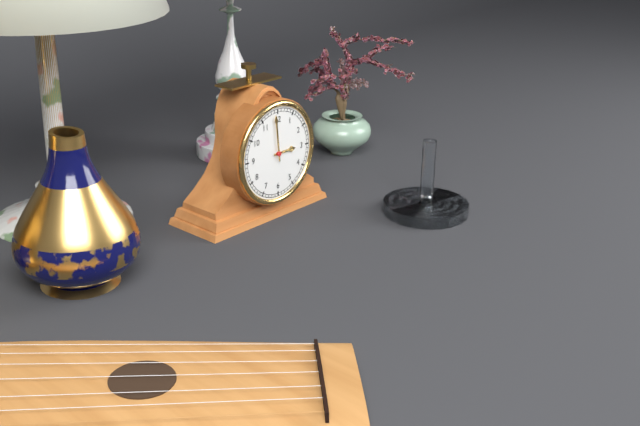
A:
**2:59**
